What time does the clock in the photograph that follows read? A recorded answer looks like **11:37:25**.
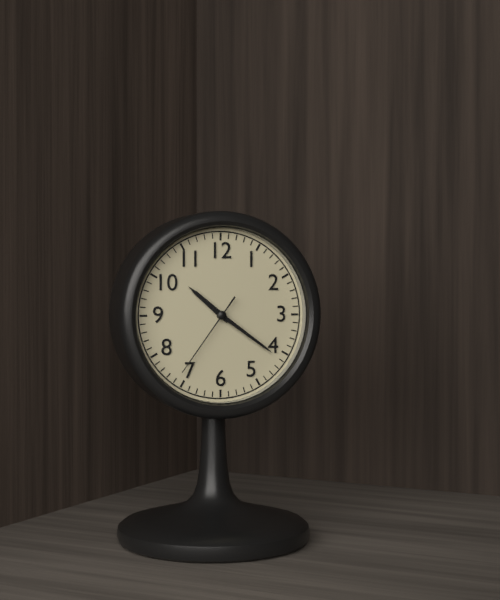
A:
**10:21:36**
